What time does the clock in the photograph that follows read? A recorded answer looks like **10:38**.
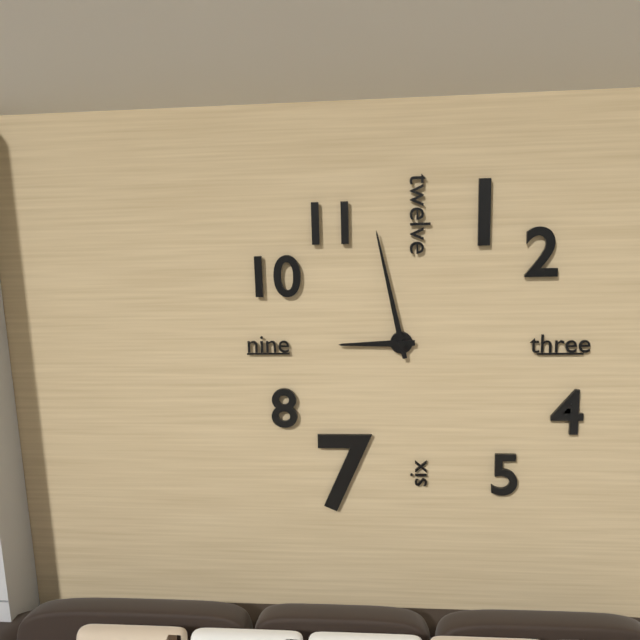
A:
**8:58**
